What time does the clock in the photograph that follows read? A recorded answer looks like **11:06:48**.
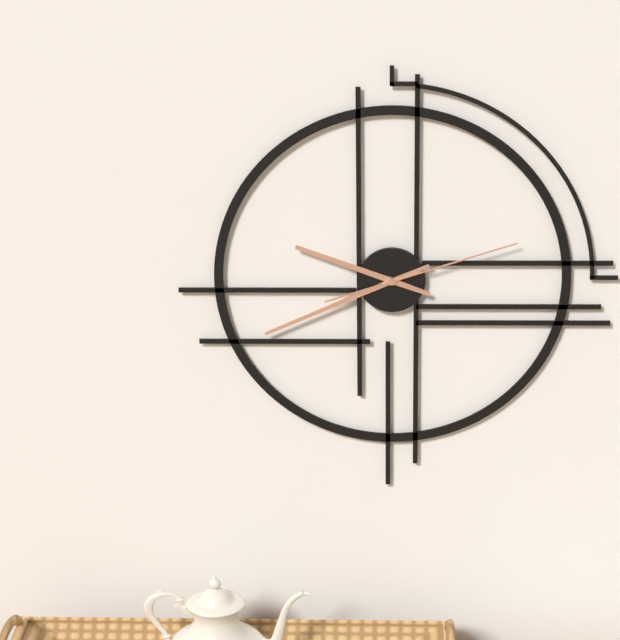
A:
**9:41:12**
